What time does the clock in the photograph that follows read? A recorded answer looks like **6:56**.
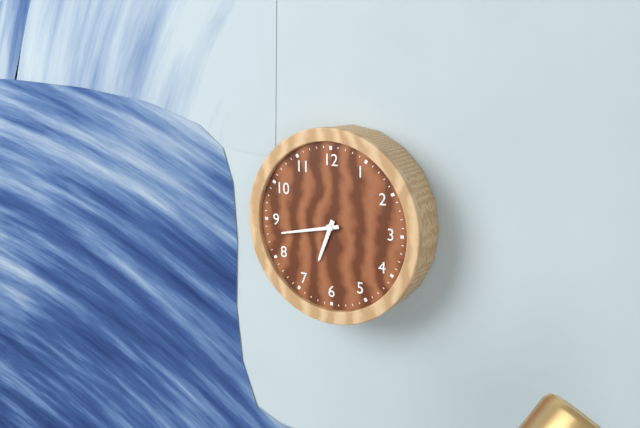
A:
**6:43**
